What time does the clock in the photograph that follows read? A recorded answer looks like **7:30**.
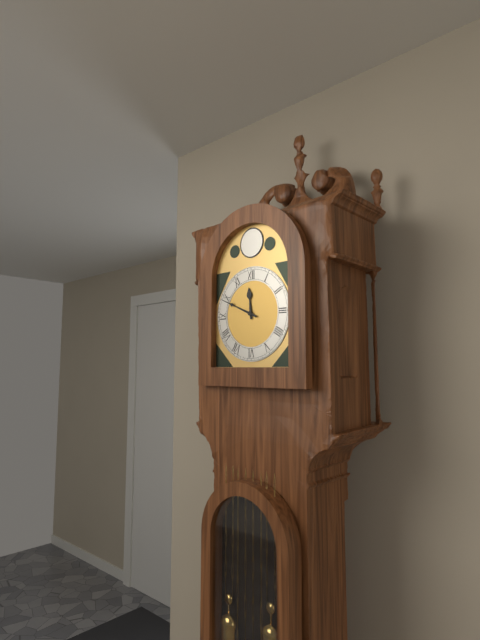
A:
**11:49**
